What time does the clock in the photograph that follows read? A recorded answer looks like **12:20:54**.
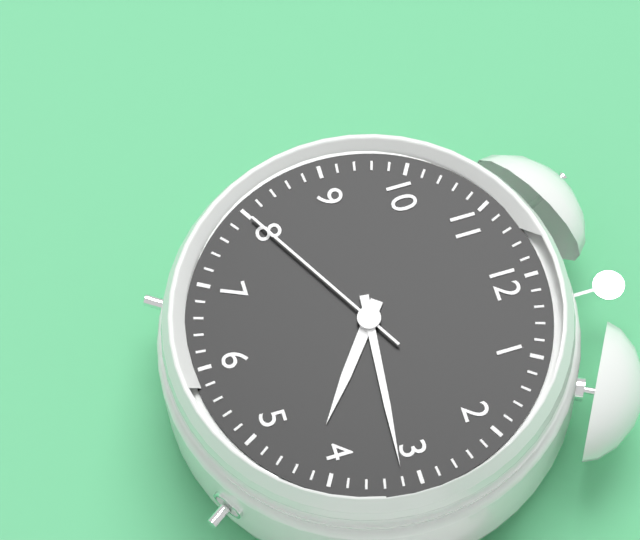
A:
**4:16:40**
